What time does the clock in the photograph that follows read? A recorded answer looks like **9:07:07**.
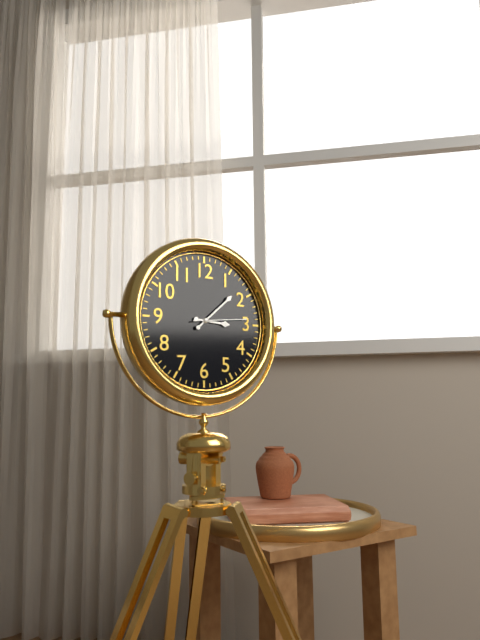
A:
**3:08:14**
